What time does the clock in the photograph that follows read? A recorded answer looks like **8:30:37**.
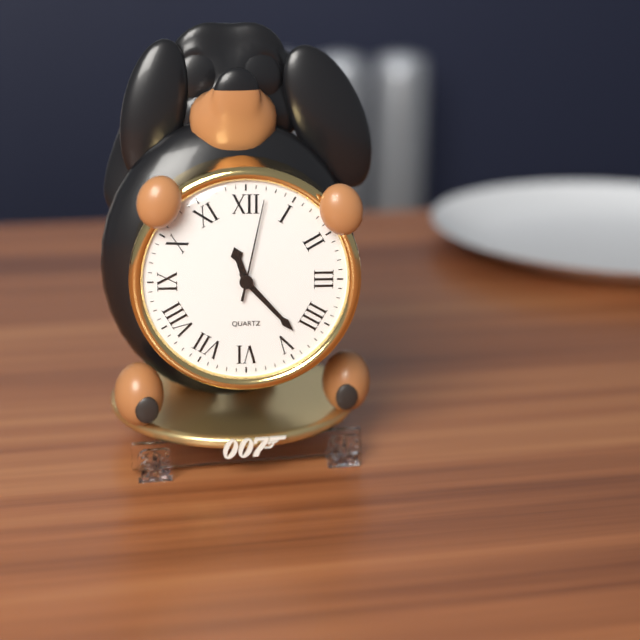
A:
**11:23:02**
